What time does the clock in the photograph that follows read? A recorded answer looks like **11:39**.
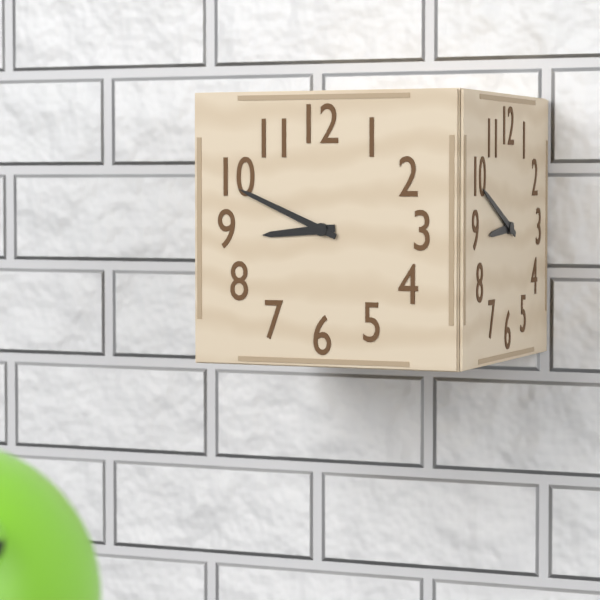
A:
**8:49**
